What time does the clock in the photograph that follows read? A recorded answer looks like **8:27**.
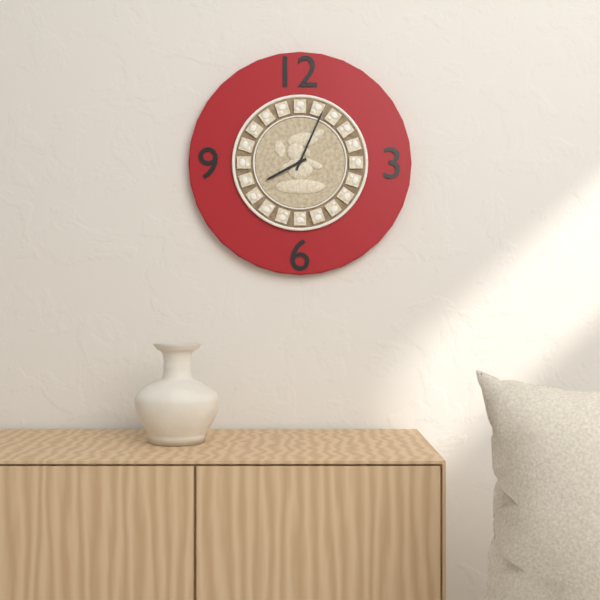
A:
**8:04**
